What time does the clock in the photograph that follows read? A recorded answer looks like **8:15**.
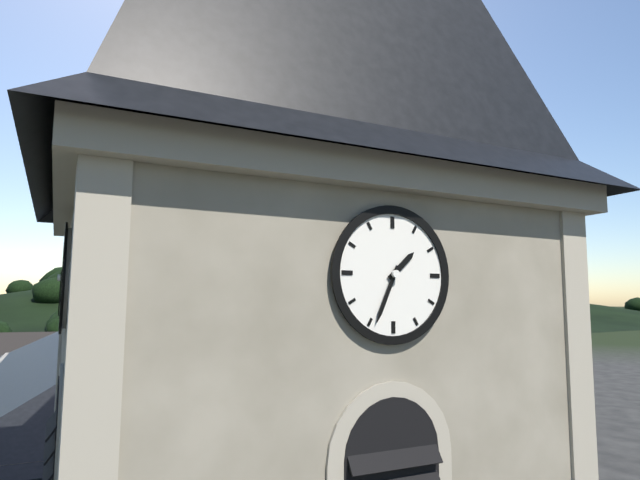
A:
**1:34**
